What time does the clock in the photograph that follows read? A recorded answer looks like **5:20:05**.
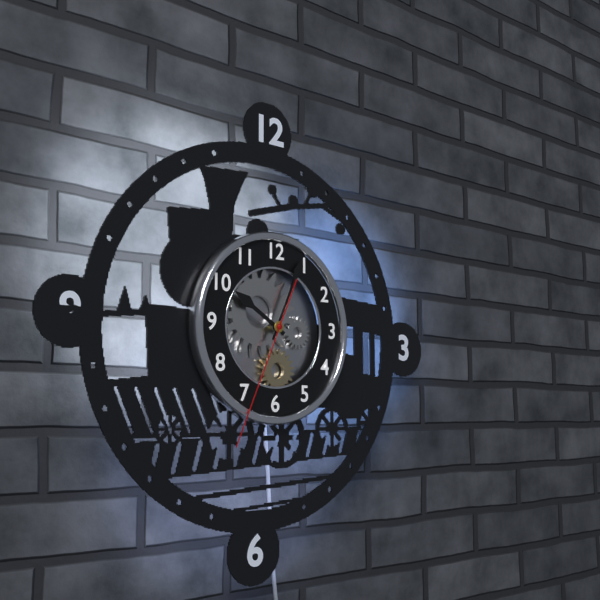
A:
**10:04:34**
